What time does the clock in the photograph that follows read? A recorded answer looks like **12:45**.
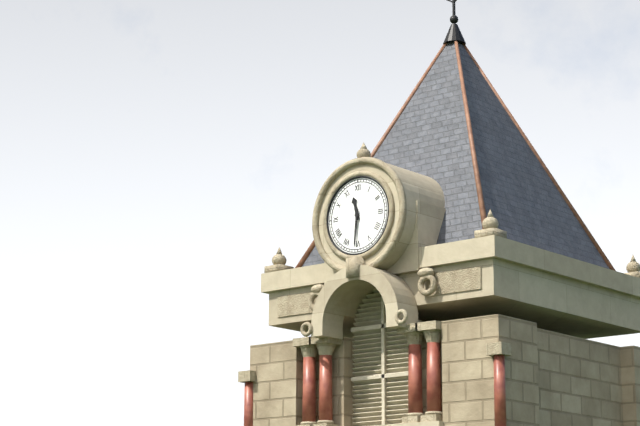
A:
**11:31**
